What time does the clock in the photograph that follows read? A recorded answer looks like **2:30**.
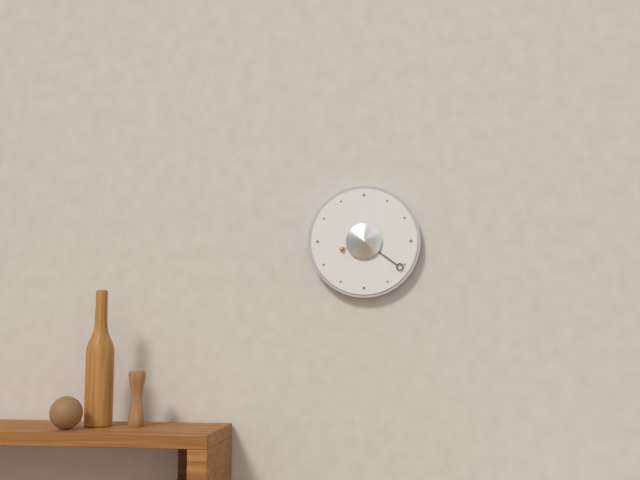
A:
**8:21**
